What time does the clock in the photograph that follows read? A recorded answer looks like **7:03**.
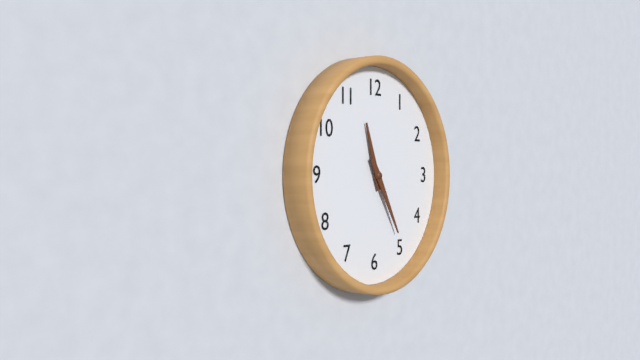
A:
**11:25**
